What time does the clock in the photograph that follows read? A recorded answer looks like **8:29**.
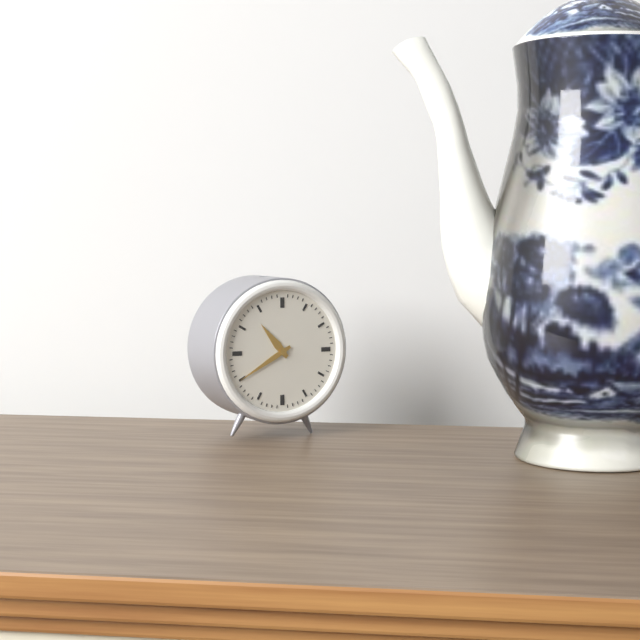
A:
**10:40**
